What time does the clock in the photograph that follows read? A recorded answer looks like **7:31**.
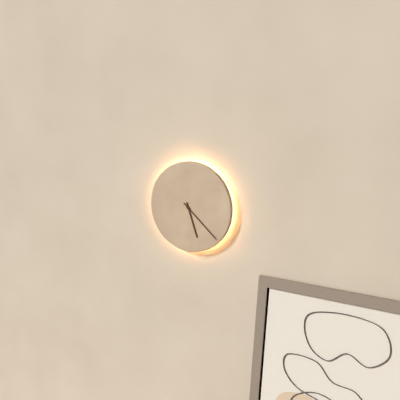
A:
**5:22**
